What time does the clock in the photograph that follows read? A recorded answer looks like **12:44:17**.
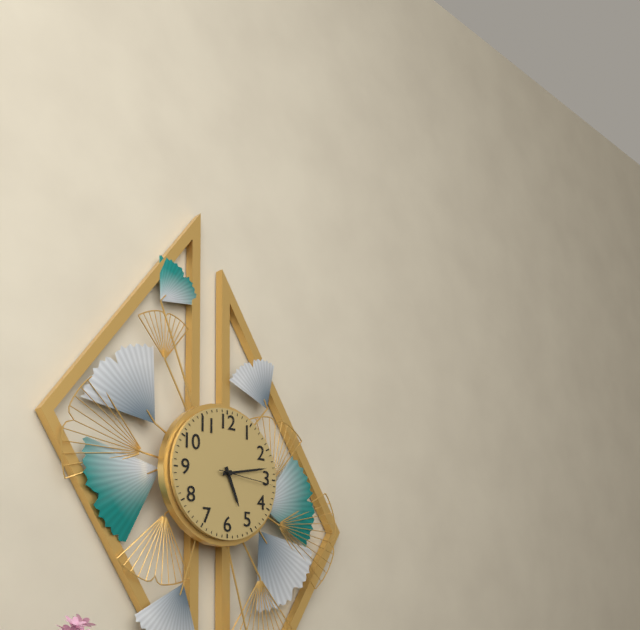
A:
**5:13:16**
